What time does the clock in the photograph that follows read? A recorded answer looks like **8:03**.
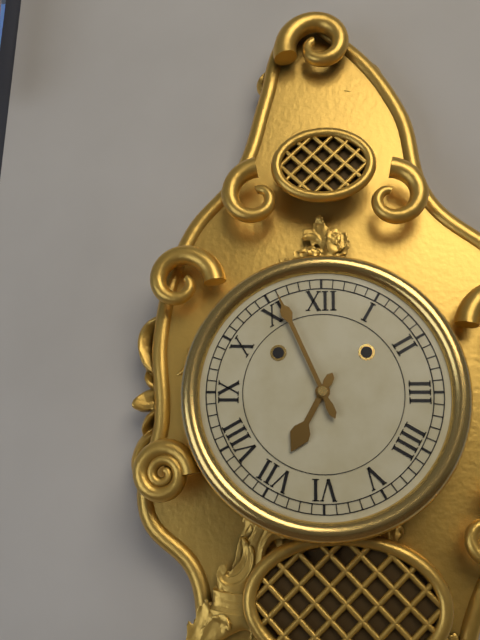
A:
**6:56**
